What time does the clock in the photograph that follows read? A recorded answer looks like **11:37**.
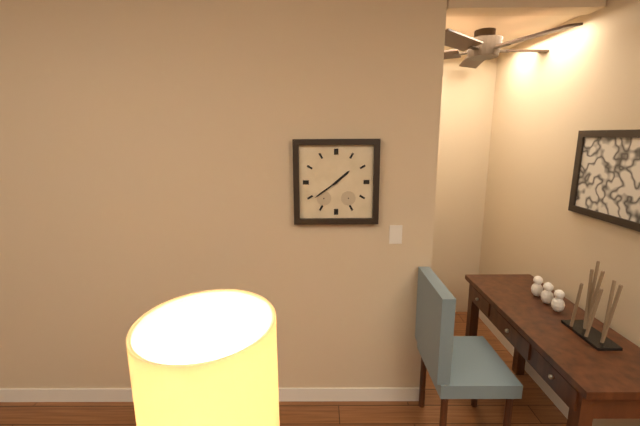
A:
**1:39**
